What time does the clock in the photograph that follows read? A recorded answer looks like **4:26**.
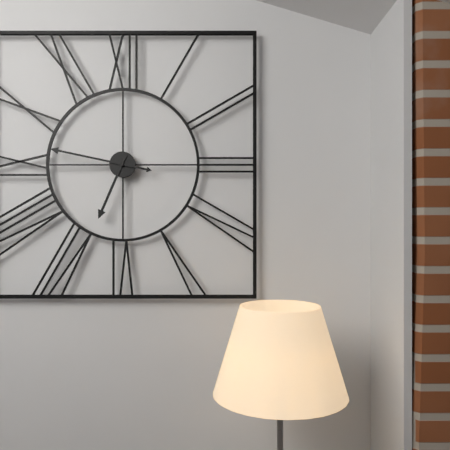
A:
**6:47**
